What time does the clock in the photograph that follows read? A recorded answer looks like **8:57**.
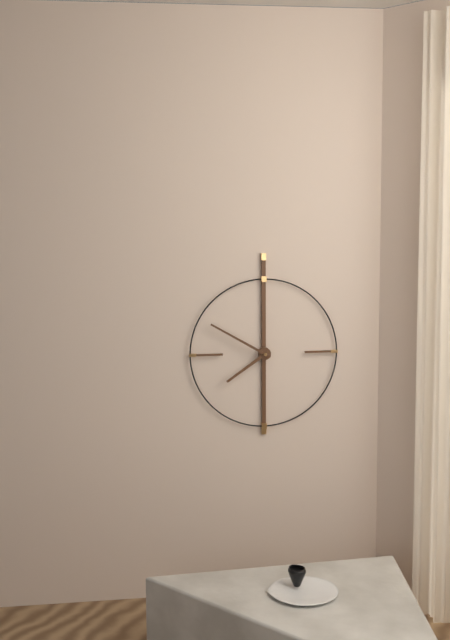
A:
**7:50**
